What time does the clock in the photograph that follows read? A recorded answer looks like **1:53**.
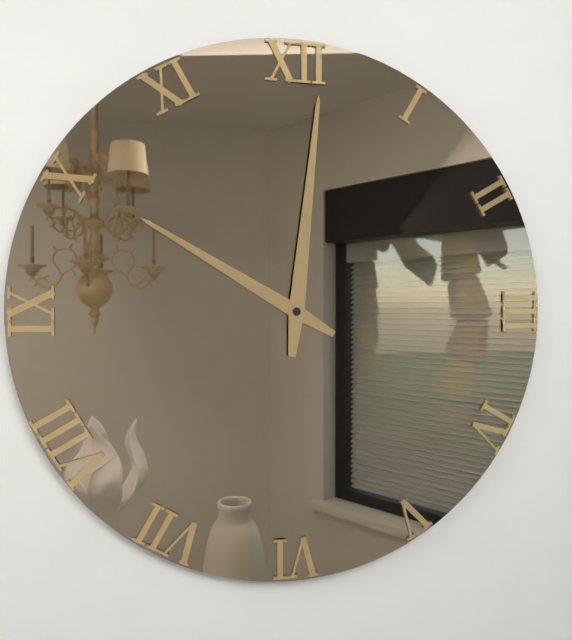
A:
**10:01**
